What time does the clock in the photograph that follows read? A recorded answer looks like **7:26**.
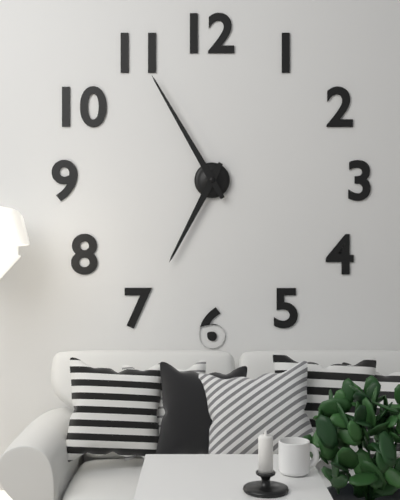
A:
**6:55**
